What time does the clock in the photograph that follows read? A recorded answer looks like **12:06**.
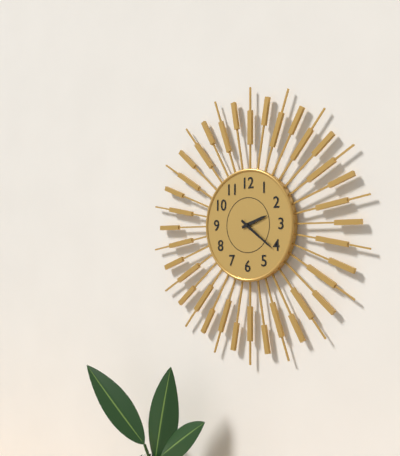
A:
**2:21**
